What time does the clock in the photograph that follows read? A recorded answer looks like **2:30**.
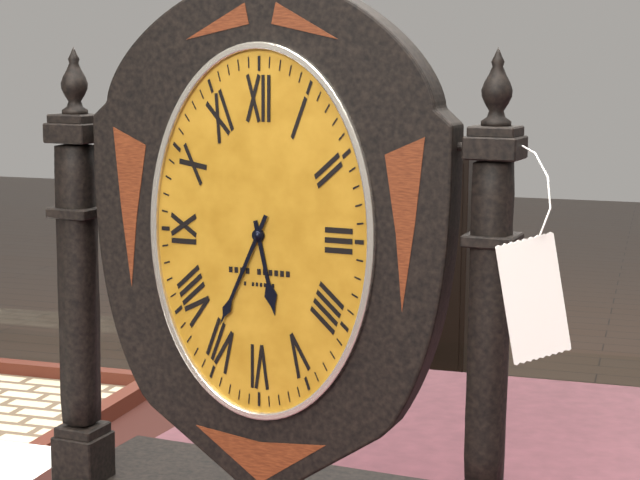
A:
**5:34**
